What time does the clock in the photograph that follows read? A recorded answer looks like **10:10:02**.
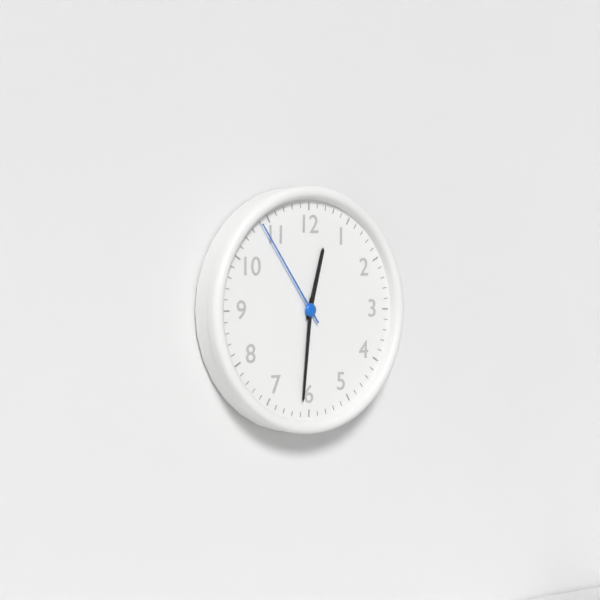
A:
**12:31:54**
